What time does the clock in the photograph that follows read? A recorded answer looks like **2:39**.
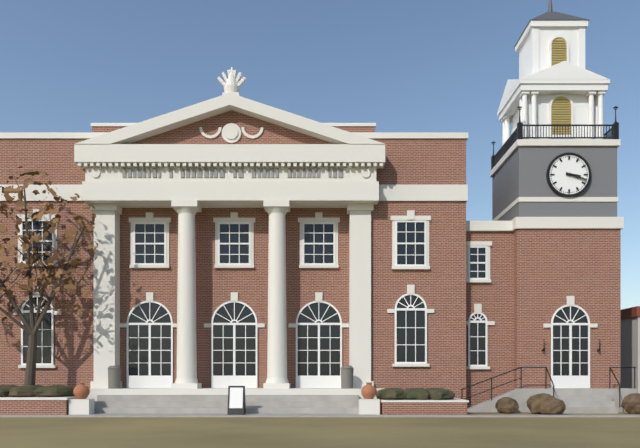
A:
**3:18**
